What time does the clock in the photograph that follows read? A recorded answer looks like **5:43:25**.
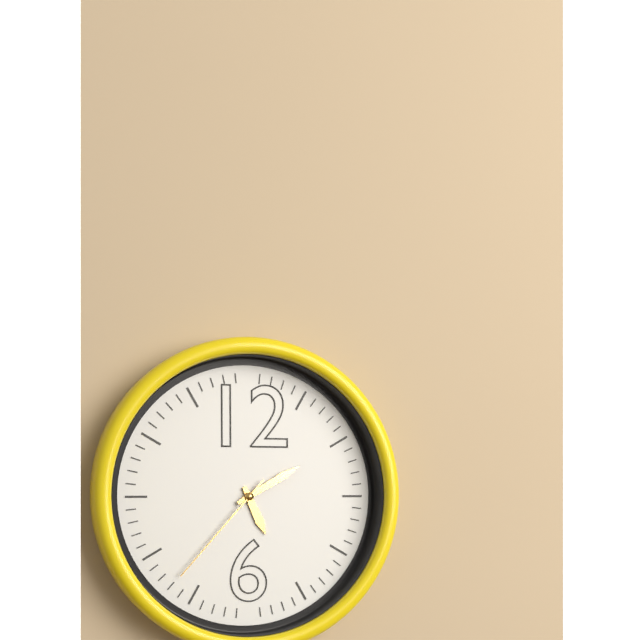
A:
**5:10:37**
